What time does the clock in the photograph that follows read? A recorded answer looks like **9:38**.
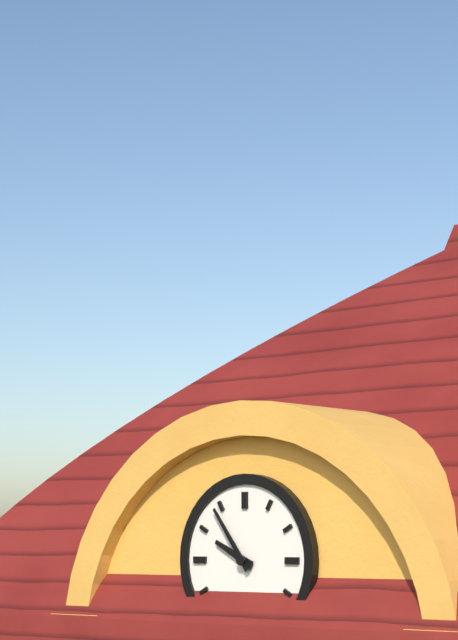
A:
**9:54**
